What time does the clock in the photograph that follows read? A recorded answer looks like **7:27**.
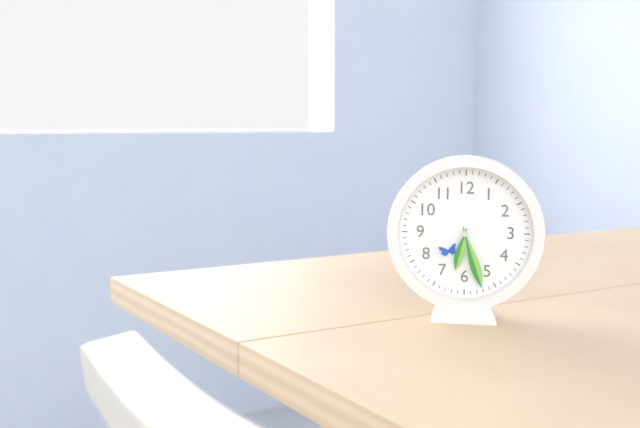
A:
**6:27**
